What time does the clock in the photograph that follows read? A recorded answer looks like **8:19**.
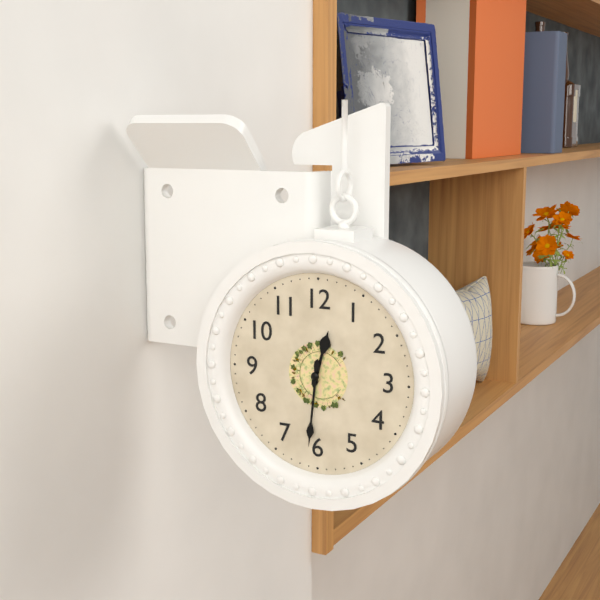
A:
**12:31**
